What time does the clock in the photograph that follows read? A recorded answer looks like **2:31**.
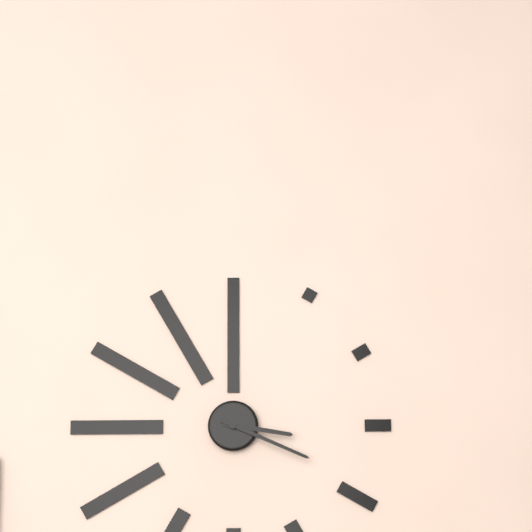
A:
**3:19**
